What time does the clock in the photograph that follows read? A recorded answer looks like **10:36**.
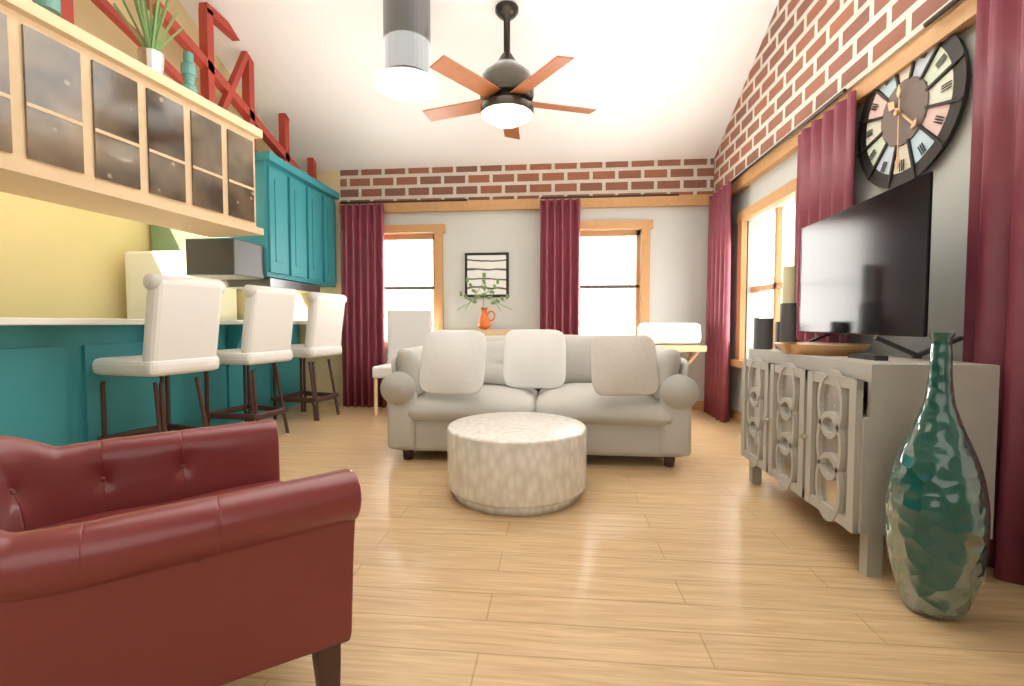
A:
**4:30**
